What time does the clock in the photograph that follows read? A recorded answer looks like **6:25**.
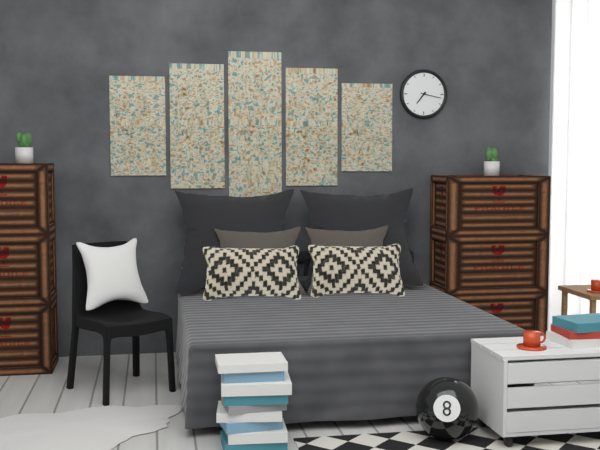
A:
**7:17**
